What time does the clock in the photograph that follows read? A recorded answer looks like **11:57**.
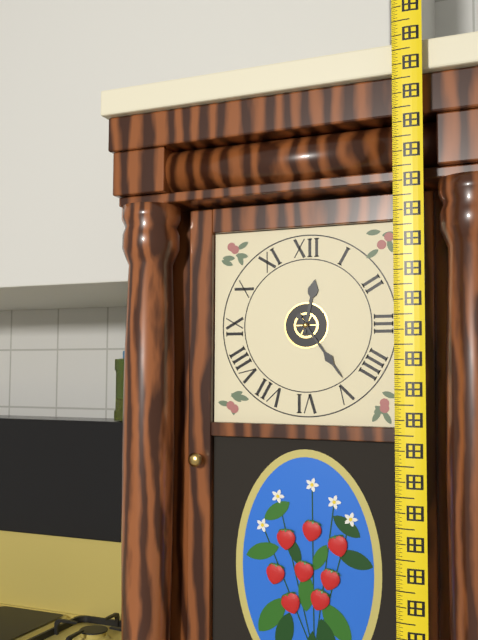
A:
**12:24**
